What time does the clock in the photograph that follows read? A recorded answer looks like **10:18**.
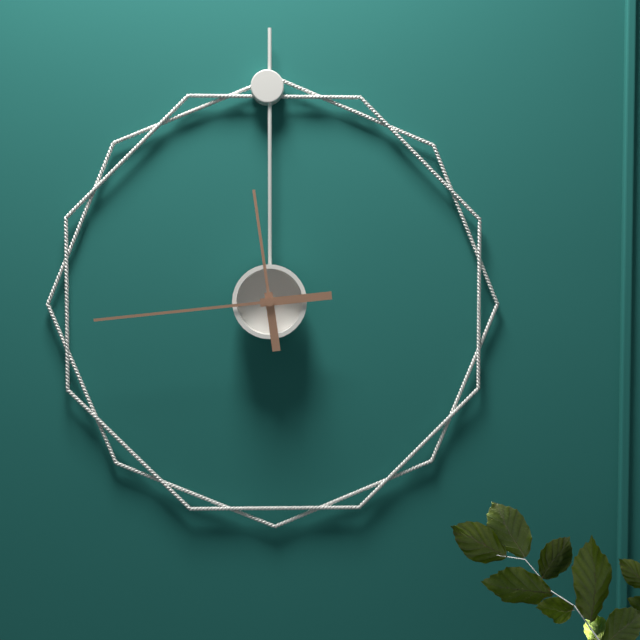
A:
**11:44**
